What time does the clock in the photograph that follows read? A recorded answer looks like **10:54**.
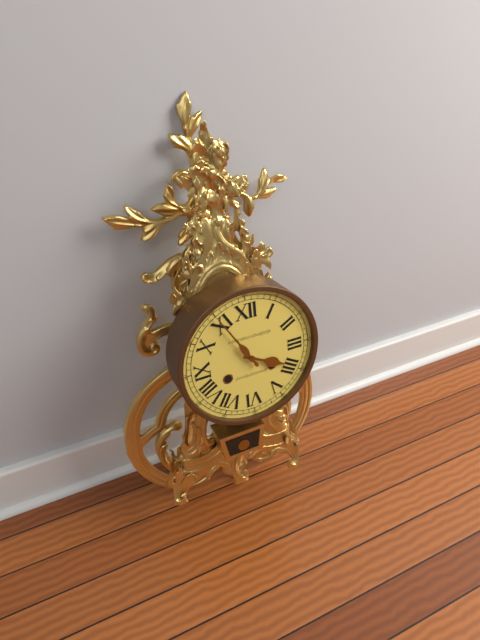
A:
**3:55**
